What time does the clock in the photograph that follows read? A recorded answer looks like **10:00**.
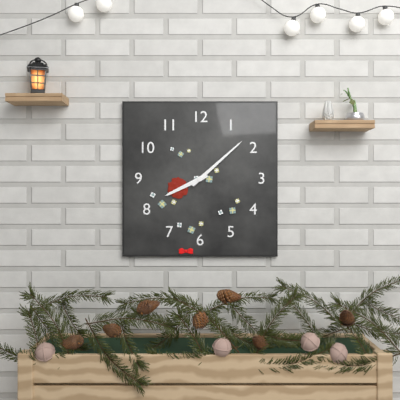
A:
**8:08**
